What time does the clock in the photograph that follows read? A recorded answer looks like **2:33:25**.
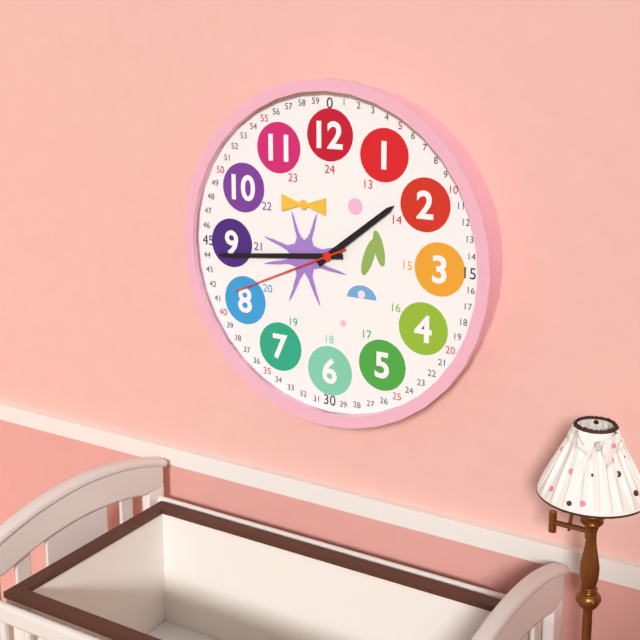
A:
**1:44:41**
